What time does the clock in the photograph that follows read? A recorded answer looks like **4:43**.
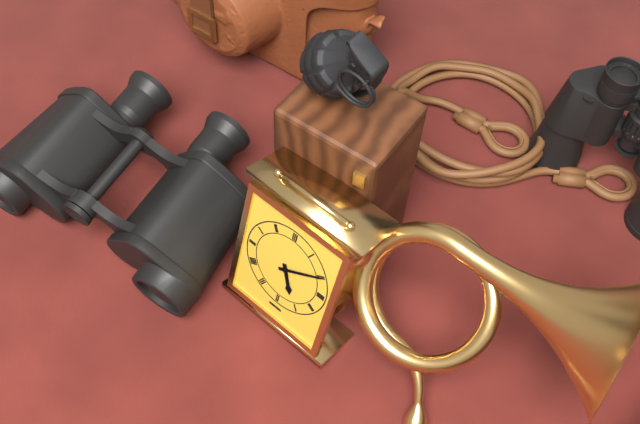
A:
**5:10**
